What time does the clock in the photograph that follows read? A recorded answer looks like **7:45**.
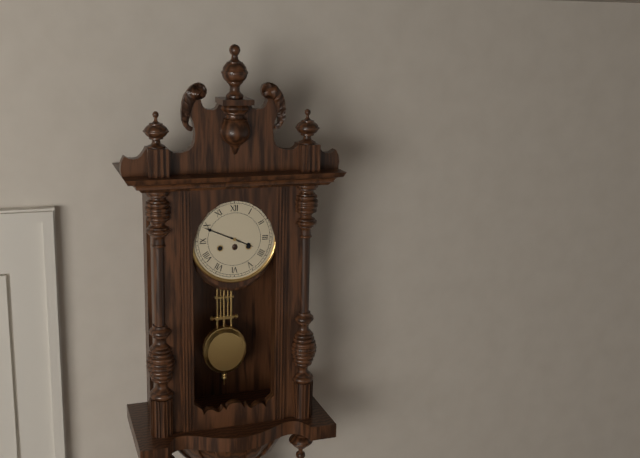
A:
**3:49**
